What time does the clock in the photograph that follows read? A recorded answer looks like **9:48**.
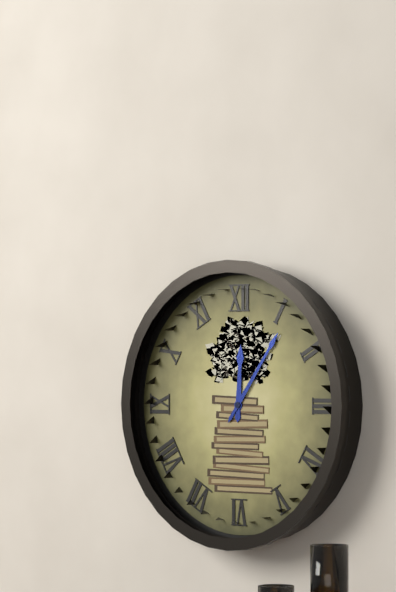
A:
**12:06**
